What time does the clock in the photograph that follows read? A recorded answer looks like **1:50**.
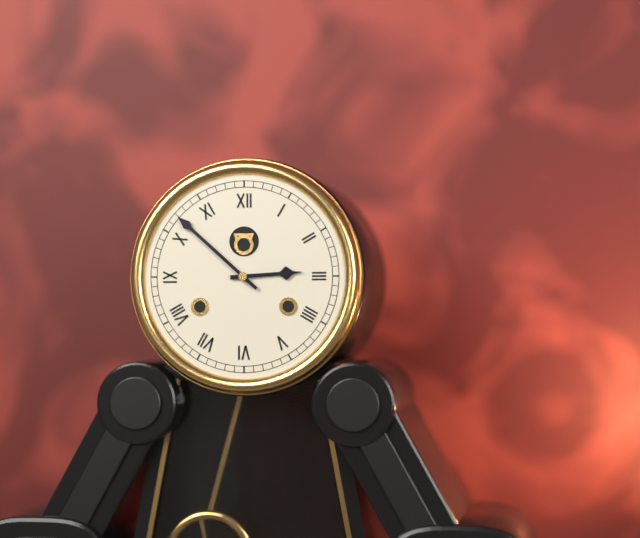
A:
**2:52**
